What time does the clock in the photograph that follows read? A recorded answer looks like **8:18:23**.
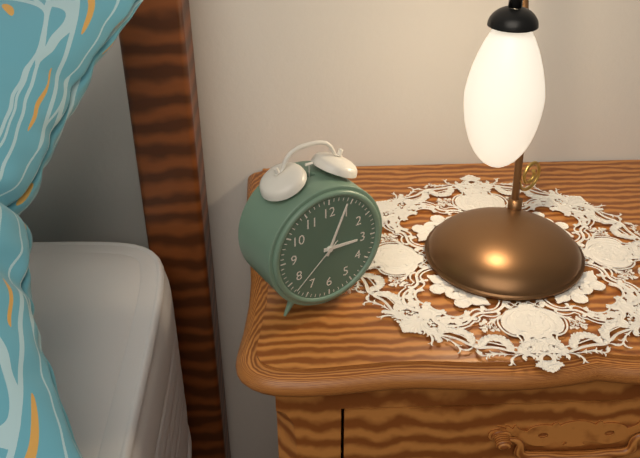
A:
**3:04:38**
